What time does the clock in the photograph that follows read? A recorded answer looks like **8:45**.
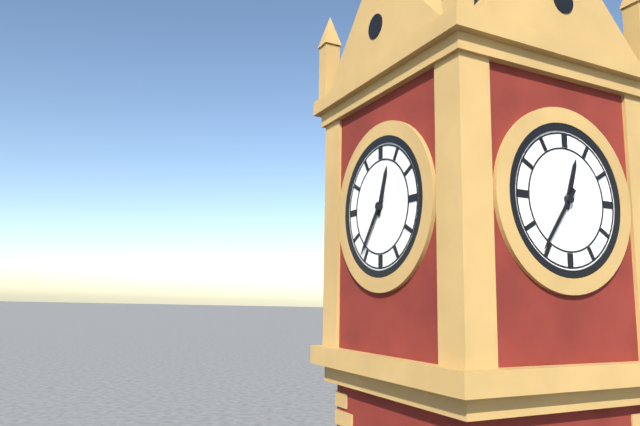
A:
**12:36**
